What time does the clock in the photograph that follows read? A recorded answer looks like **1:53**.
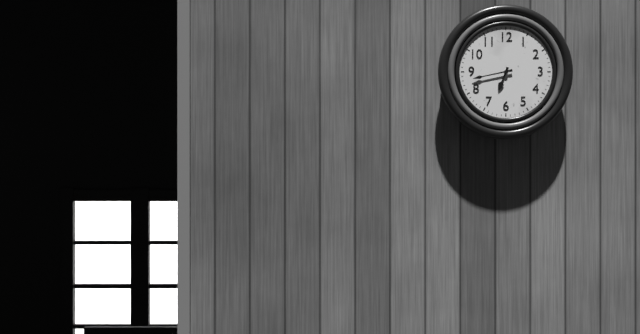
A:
**6:43**
